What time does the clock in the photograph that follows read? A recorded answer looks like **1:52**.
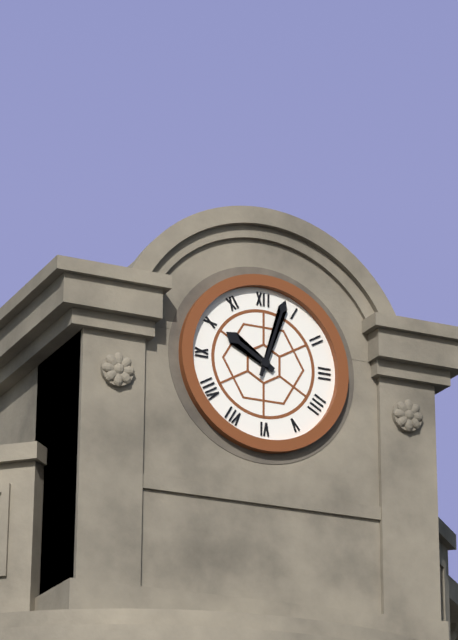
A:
**10:03**
